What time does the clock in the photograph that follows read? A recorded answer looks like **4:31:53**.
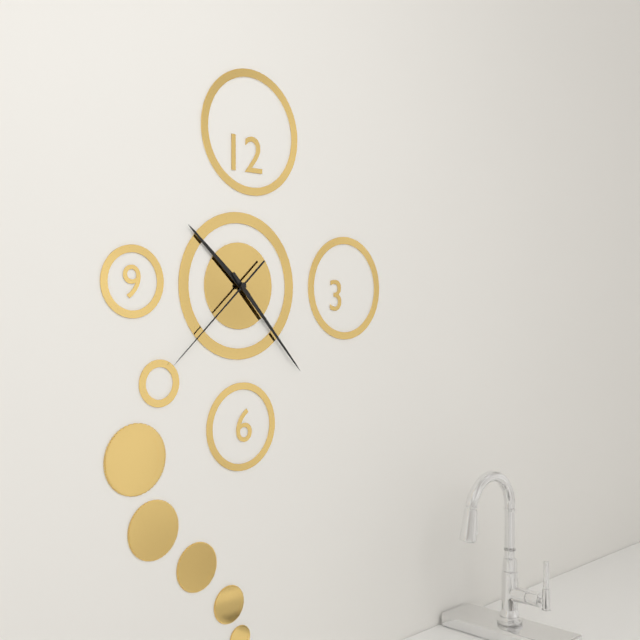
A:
**10:23:38**
